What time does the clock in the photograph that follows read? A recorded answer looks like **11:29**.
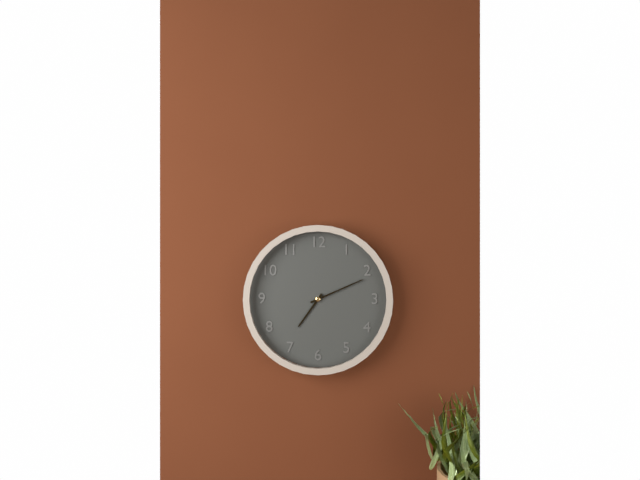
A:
**7:11**
